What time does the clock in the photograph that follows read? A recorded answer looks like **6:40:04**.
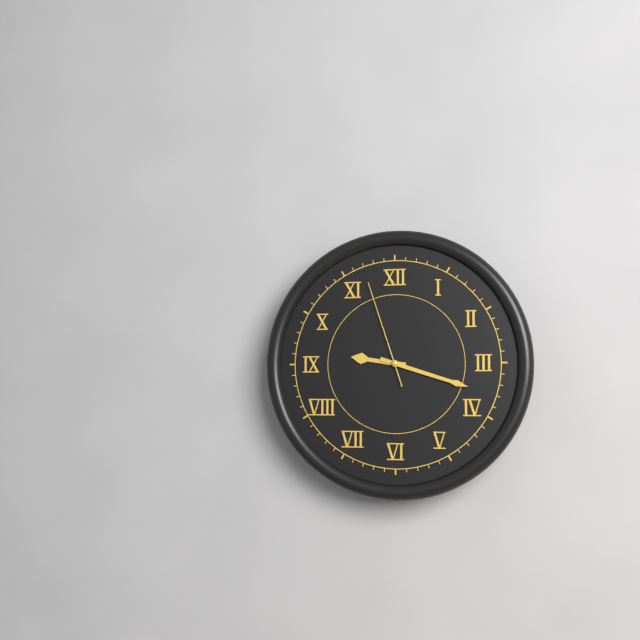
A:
**9:18:57**
